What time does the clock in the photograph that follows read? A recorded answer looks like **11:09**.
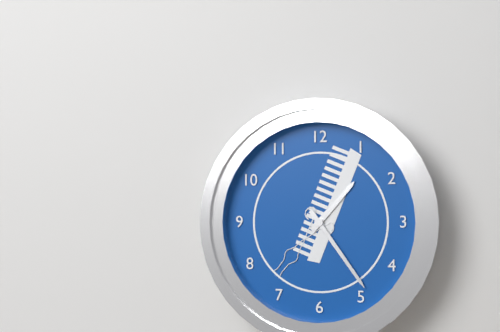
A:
**1:24**
